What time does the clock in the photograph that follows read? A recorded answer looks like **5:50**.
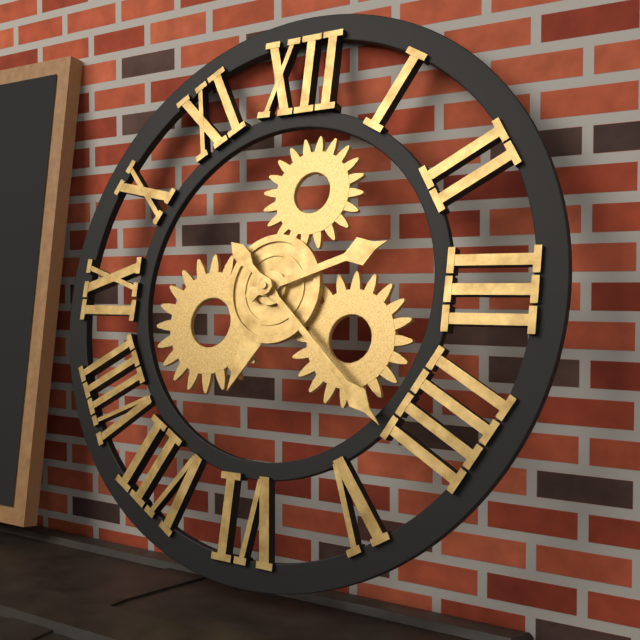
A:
**2:22**
